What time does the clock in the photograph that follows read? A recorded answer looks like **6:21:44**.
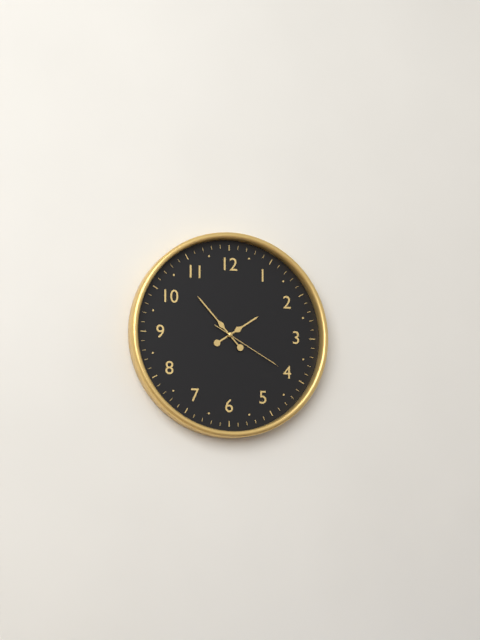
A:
**1:53:20**
